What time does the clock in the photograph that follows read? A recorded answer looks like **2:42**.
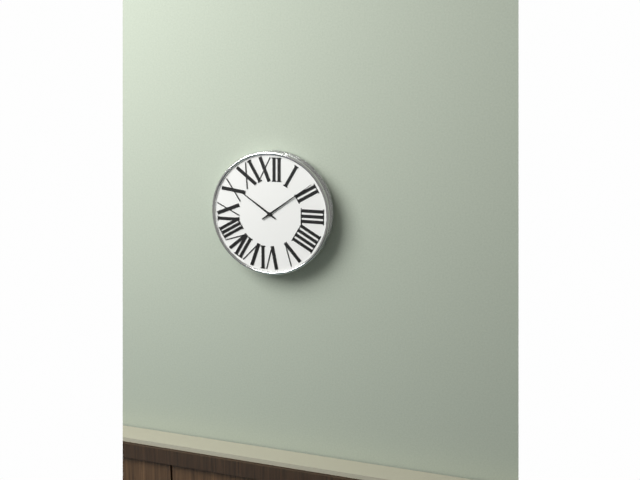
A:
**10:09**
